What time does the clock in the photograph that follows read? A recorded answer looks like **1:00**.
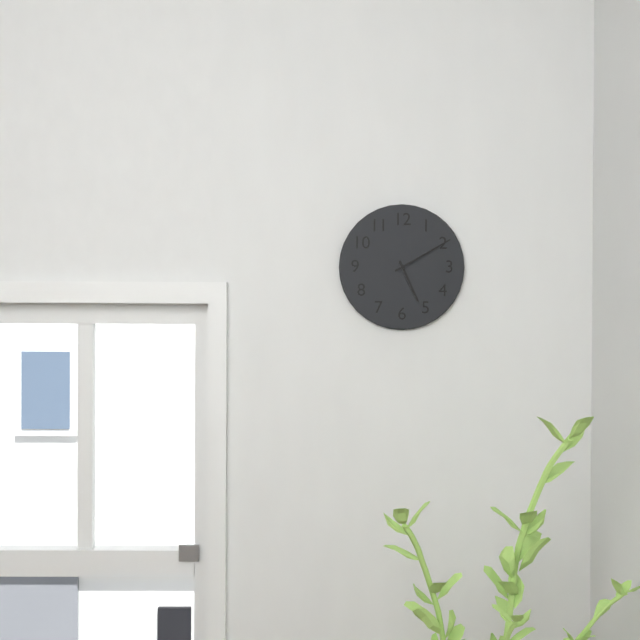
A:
**5:10**
